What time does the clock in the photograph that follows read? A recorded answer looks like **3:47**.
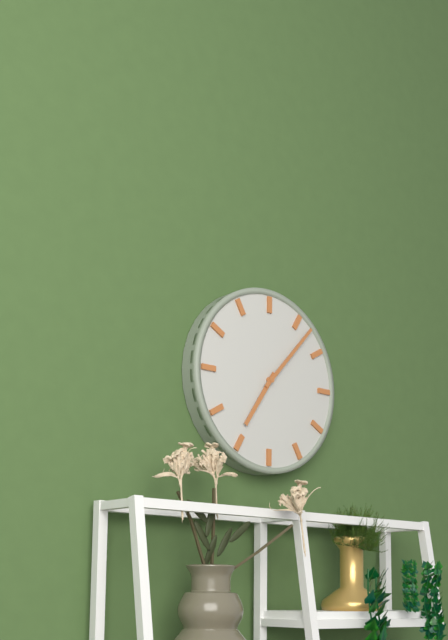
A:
**7:07**
